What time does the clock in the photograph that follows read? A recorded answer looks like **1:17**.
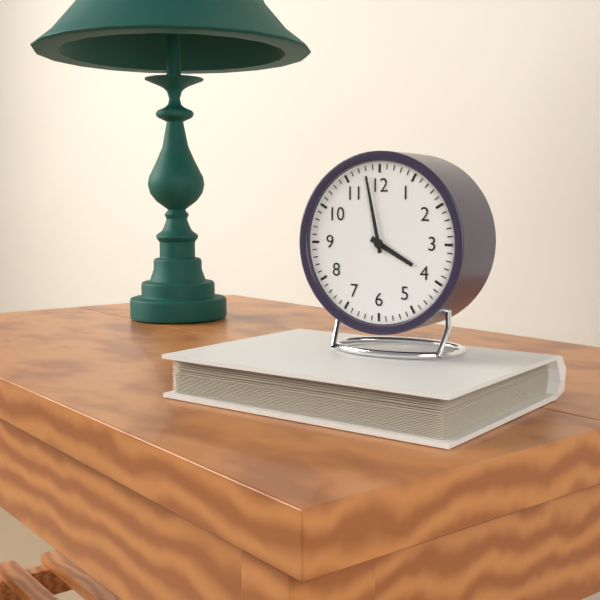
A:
**3:58**
